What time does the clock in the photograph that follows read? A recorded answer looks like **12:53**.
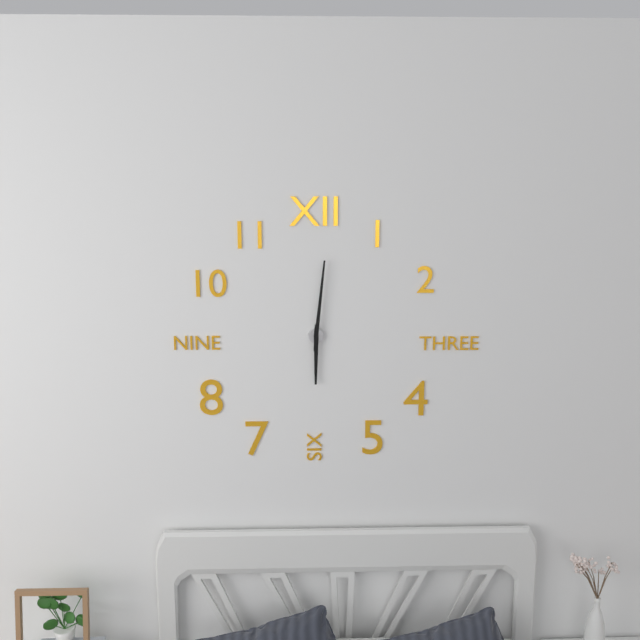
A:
**6:01**
